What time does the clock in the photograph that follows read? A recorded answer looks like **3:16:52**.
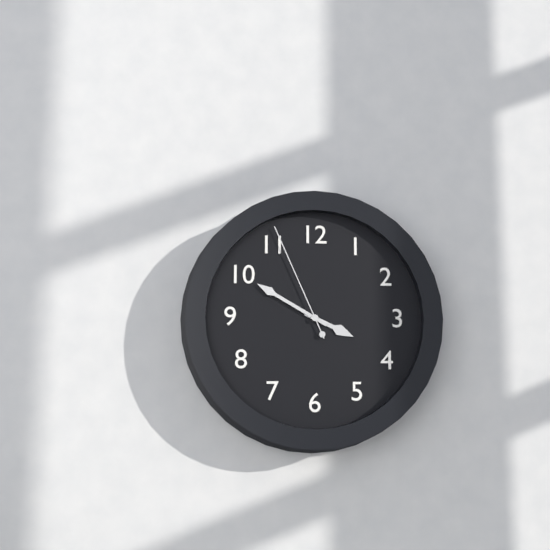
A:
**3:50:56**
